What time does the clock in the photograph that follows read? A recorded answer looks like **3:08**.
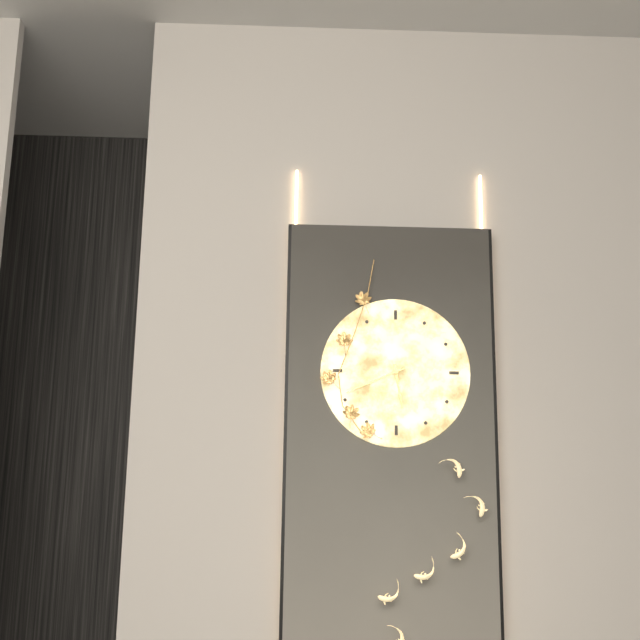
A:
**5:41**
